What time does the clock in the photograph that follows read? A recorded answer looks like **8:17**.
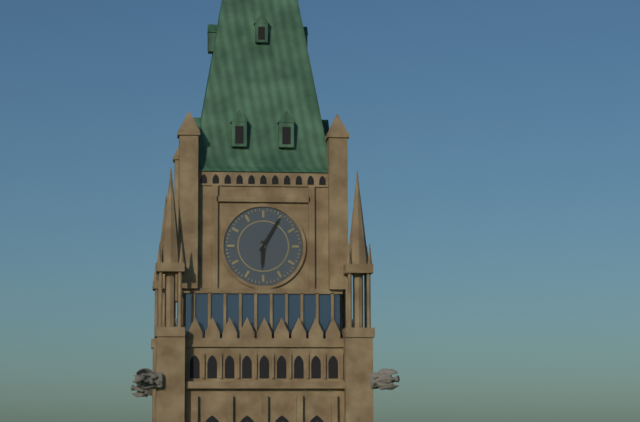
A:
**6:05**
